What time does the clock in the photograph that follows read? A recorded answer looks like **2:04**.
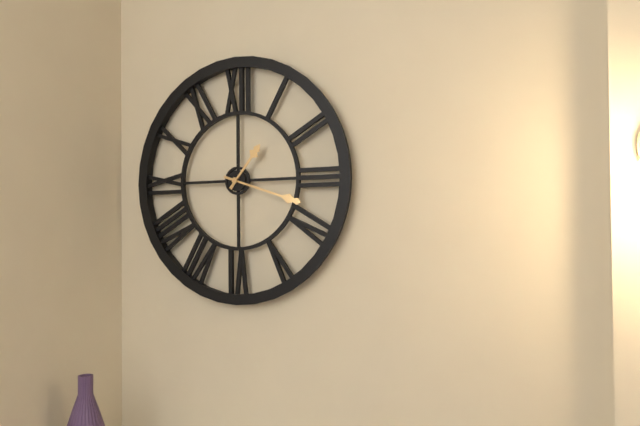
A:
**1:18**
